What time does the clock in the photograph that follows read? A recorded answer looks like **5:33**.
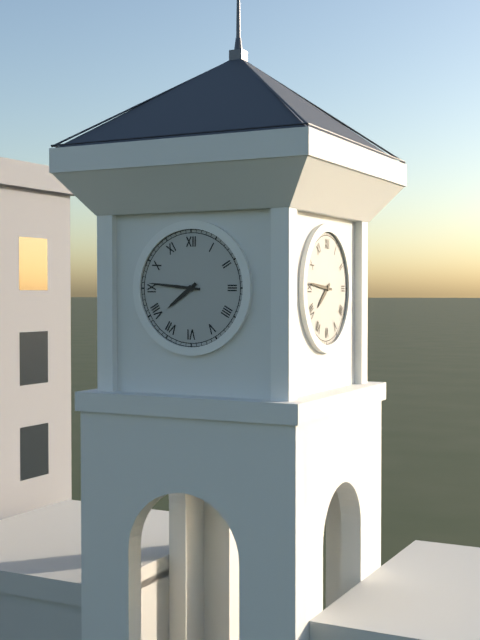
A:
**7:46**
